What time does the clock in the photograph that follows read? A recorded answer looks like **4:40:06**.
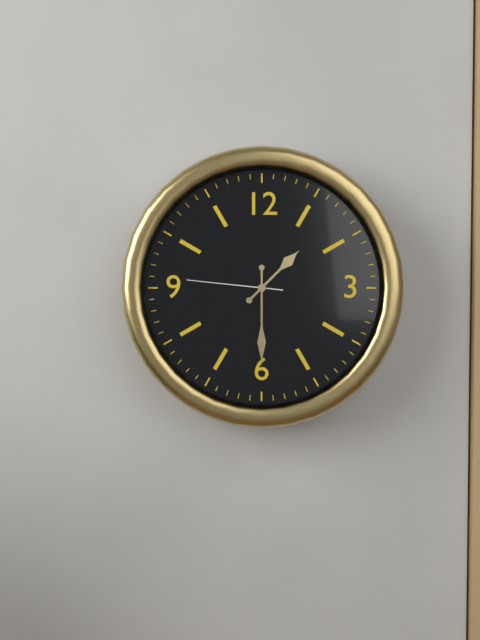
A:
**1:30:46**
